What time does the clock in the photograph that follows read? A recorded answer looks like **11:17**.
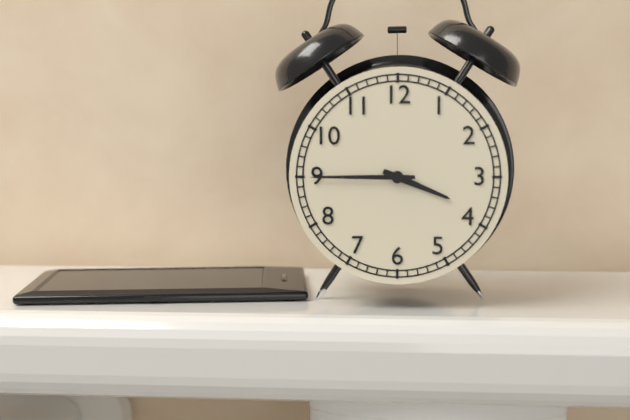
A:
**3:45**
